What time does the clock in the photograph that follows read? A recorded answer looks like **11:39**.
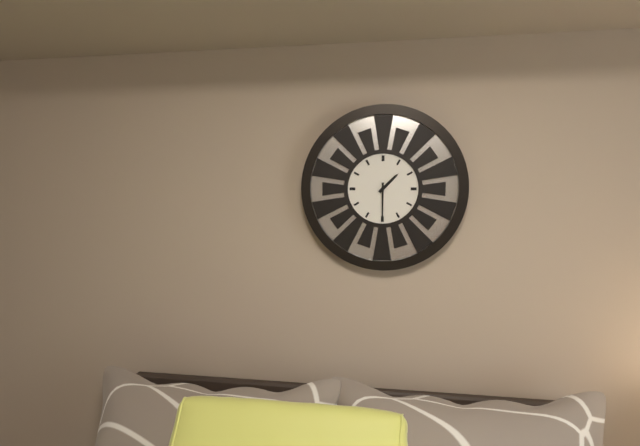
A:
**1:30**
